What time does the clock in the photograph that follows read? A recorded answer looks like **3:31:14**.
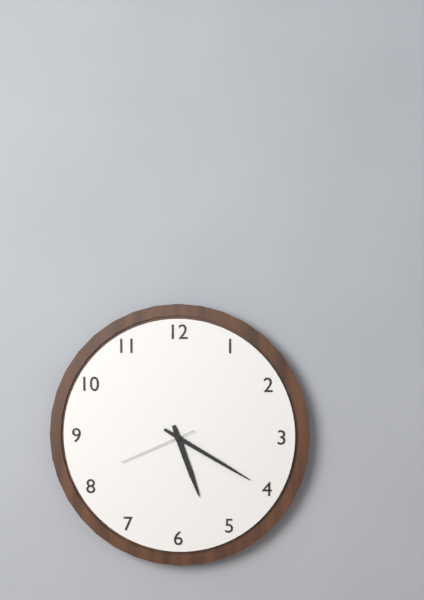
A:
**5:20:41**
